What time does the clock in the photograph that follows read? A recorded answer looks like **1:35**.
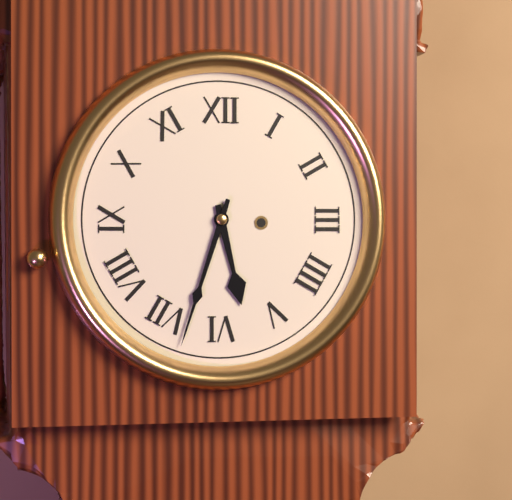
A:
**5:33**
